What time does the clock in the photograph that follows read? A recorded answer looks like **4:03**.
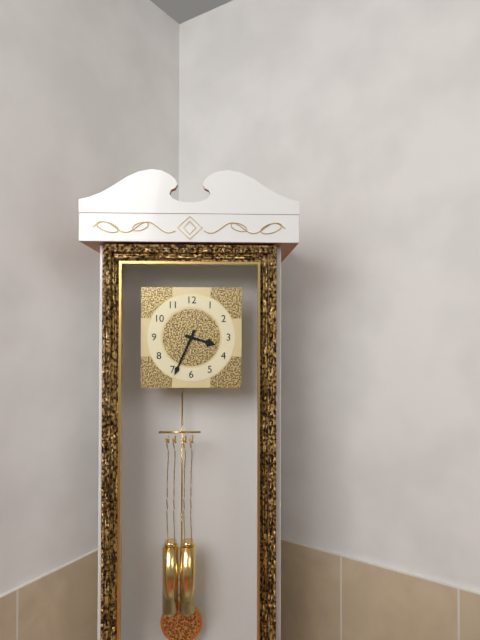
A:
**3:34**
